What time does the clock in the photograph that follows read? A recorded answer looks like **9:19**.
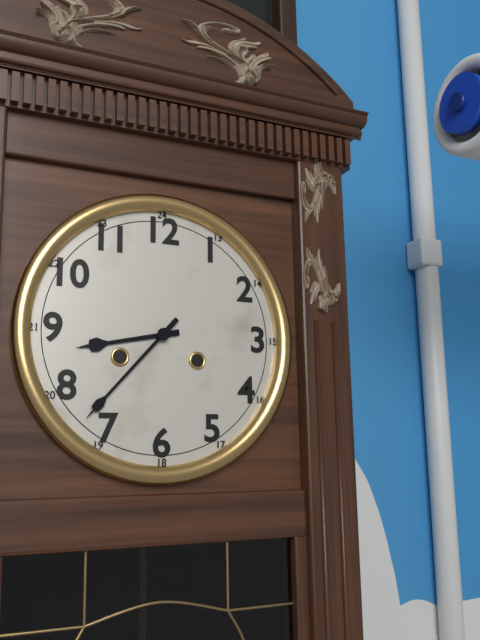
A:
**8:37**
